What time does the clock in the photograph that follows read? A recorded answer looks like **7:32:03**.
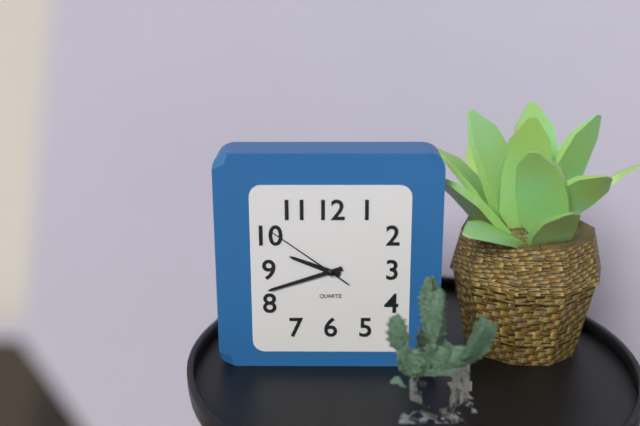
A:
**9:42:51**
